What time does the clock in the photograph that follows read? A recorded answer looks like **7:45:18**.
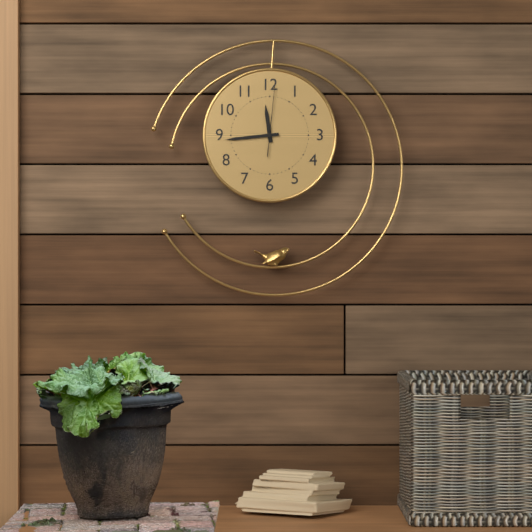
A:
**11:44:01**
